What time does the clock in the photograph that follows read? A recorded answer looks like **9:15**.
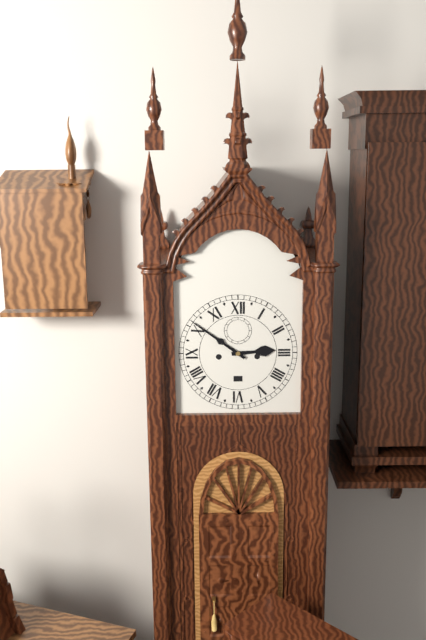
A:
**2:51**
